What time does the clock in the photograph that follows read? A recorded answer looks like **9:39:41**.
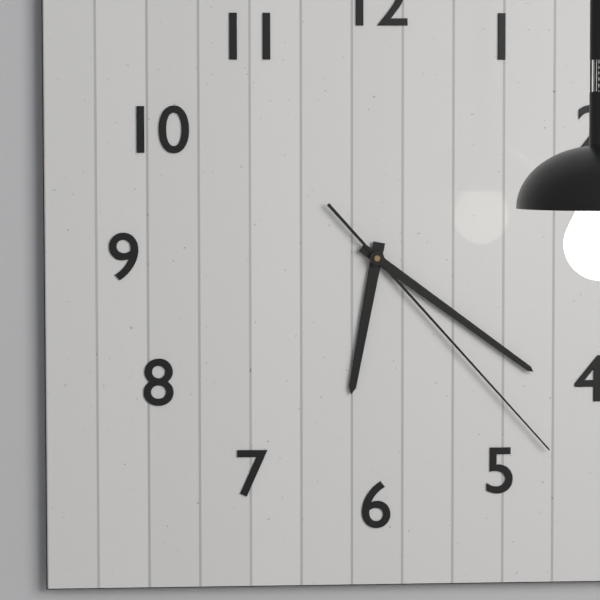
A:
**6:21:23**
